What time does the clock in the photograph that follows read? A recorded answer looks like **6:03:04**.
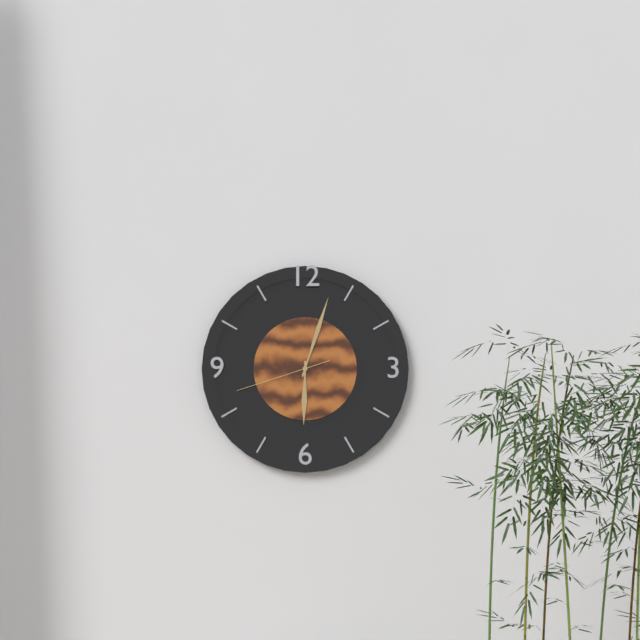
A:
**6:03:42**
